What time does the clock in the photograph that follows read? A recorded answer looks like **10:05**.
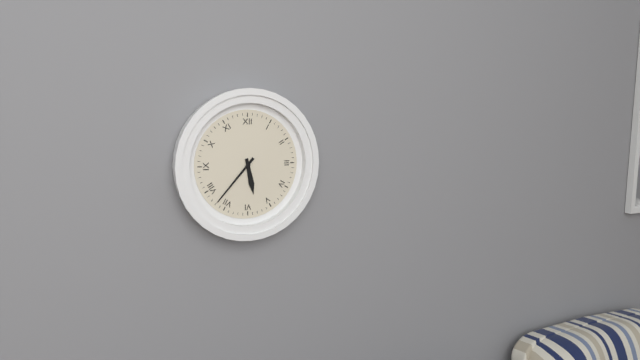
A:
**5:37**
